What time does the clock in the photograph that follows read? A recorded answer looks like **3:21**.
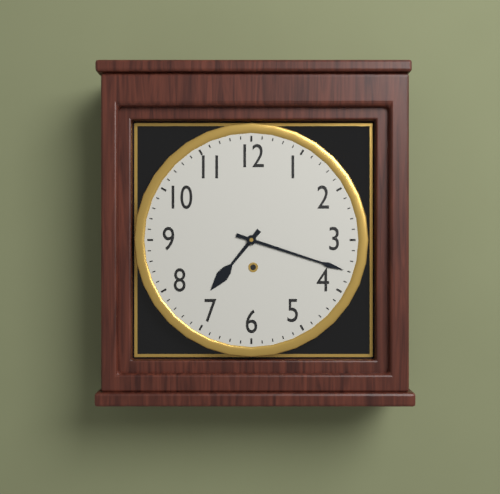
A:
**7:18**
